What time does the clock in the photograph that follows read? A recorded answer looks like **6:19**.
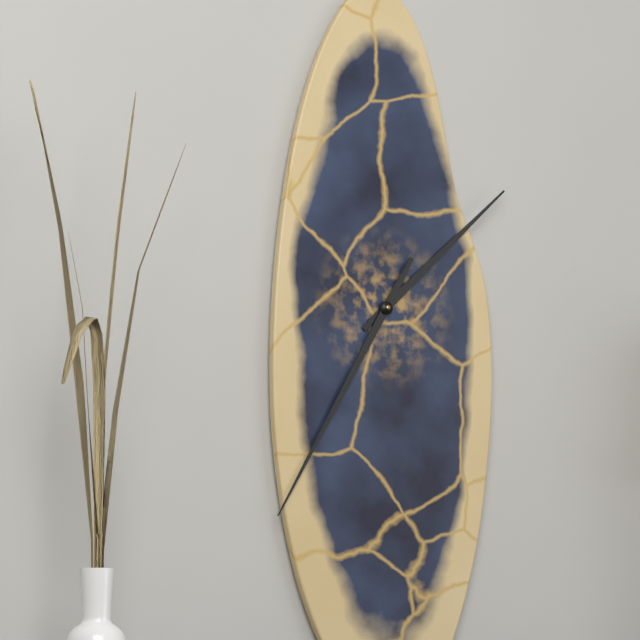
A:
**1:35**
